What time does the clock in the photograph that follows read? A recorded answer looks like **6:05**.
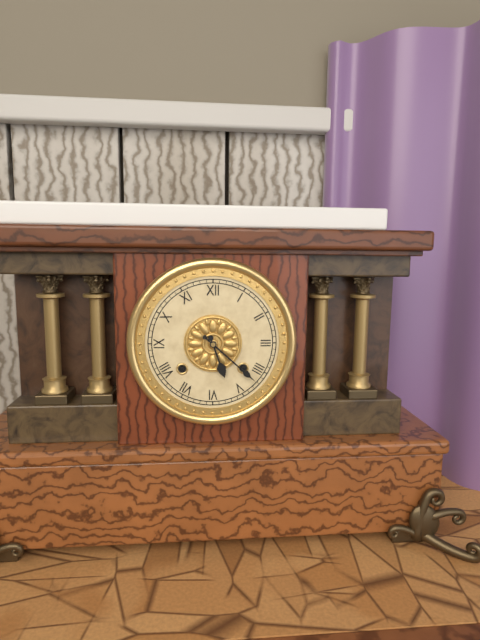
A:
**5:22**
